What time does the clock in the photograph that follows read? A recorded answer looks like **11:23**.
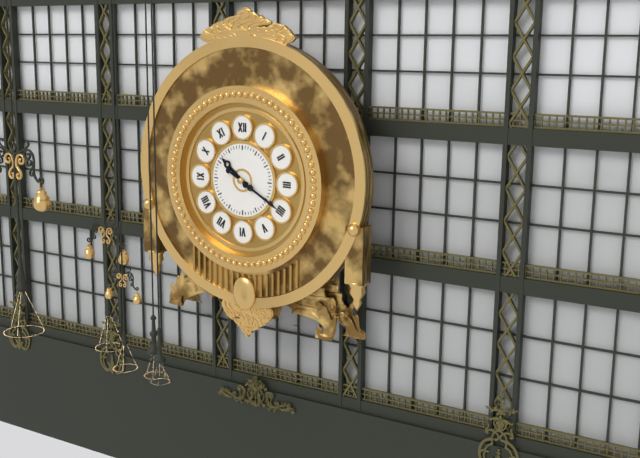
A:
**10:20**
